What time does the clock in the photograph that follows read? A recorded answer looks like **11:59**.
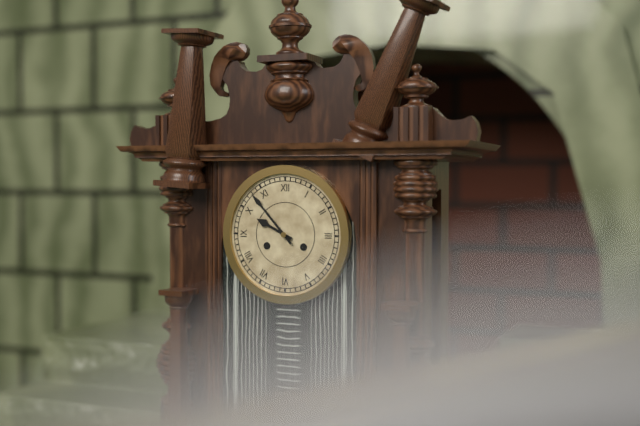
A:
**9:53**
